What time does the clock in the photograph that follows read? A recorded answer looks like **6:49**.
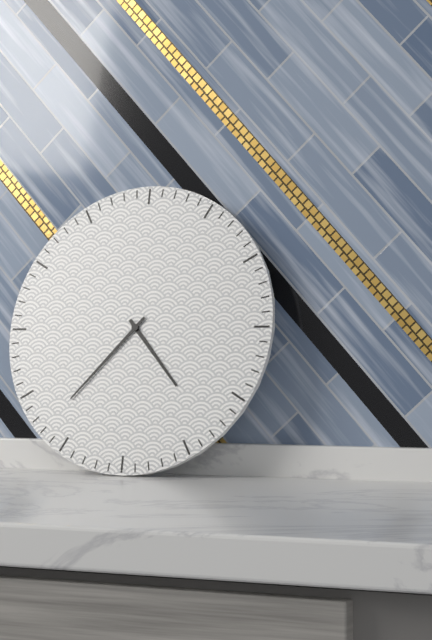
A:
**4:37**
